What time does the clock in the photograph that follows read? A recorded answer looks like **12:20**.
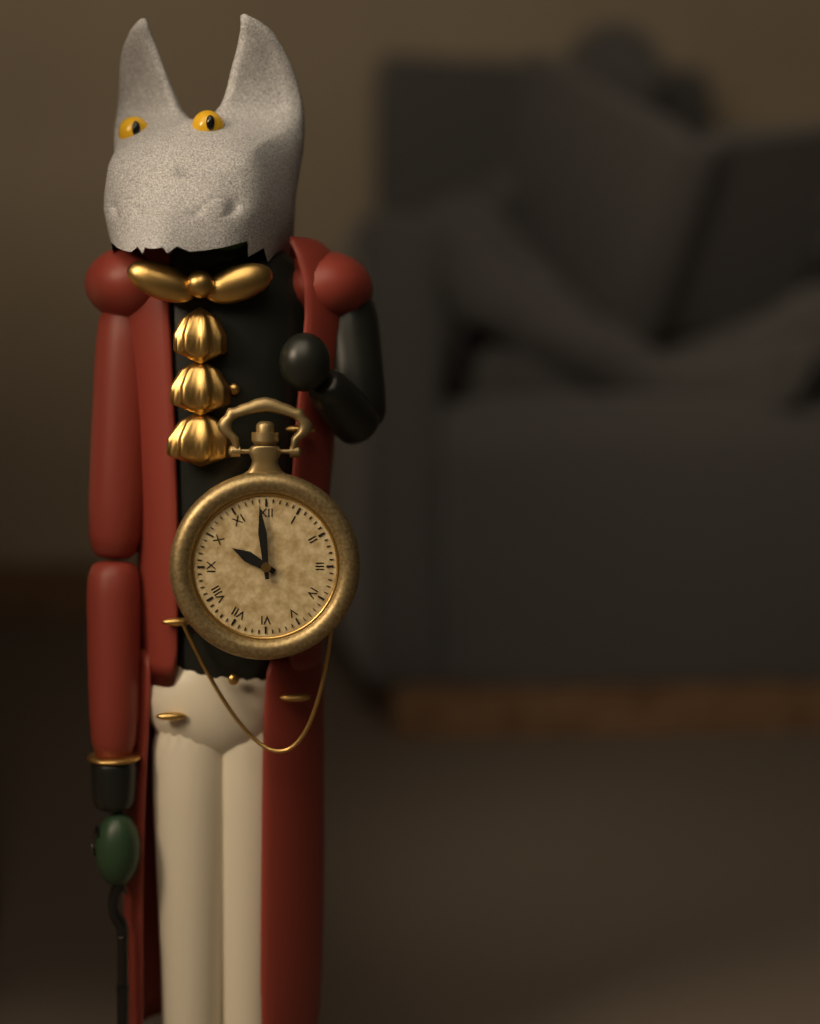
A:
**9:59**
